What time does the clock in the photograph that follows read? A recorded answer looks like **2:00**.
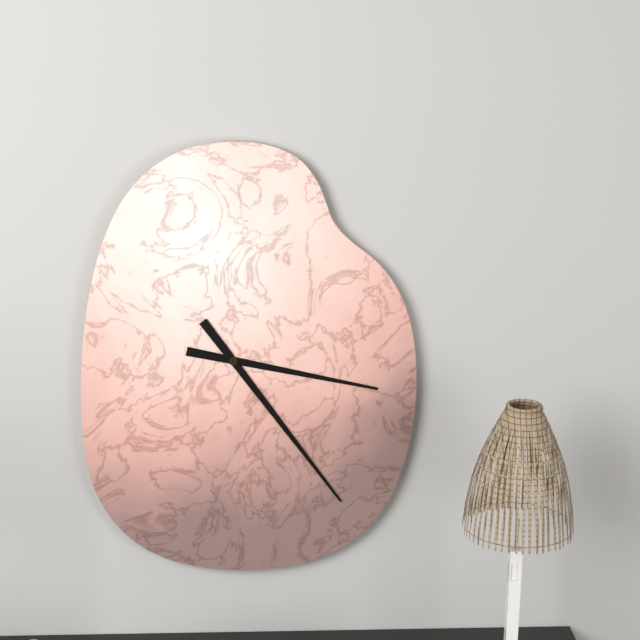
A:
**3:24**
